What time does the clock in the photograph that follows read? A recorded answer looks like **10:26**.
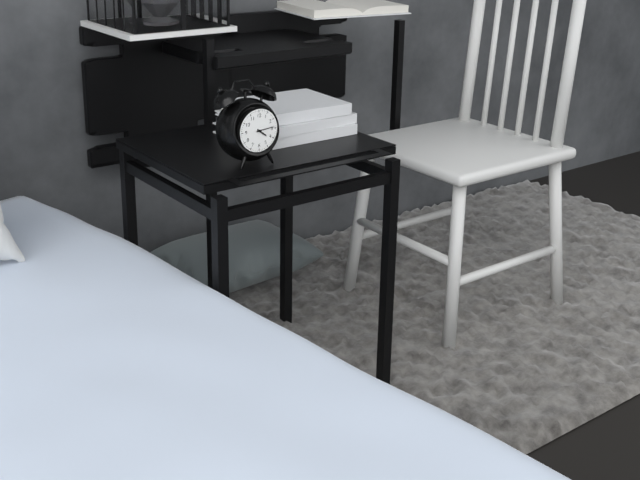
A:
**4:14**
